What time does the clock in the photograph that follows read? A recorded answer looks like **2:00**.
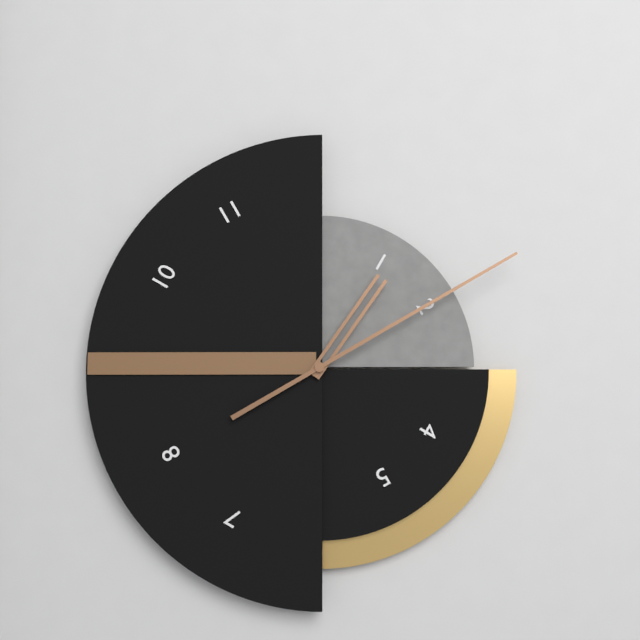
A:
**1:10**
